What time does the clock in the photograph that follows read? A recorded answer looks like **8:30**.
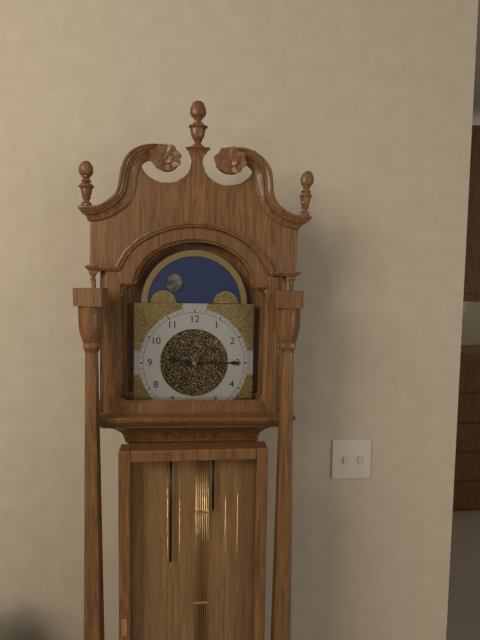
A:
**9:15**
